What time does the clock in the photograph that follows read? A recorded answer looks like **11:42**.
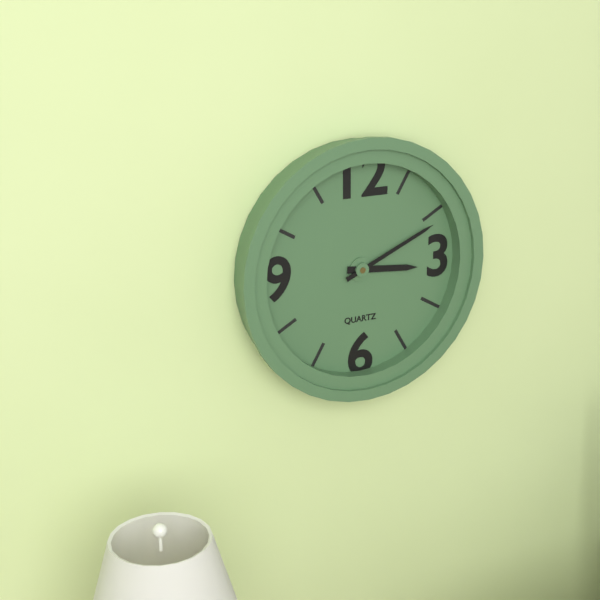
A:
**3:11**
